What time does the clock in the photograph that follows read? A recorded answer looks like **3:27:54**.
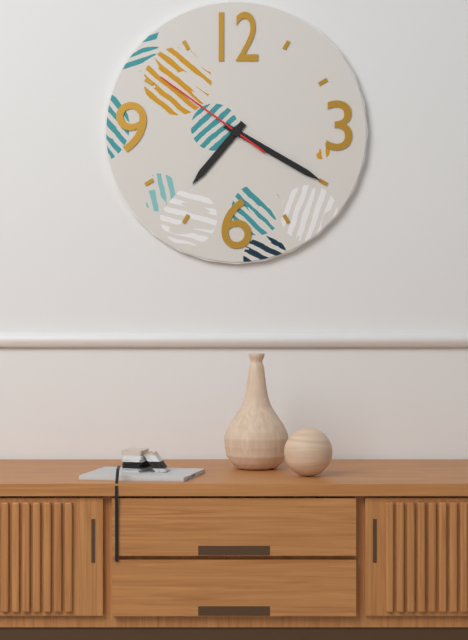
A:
**7:20:51**
